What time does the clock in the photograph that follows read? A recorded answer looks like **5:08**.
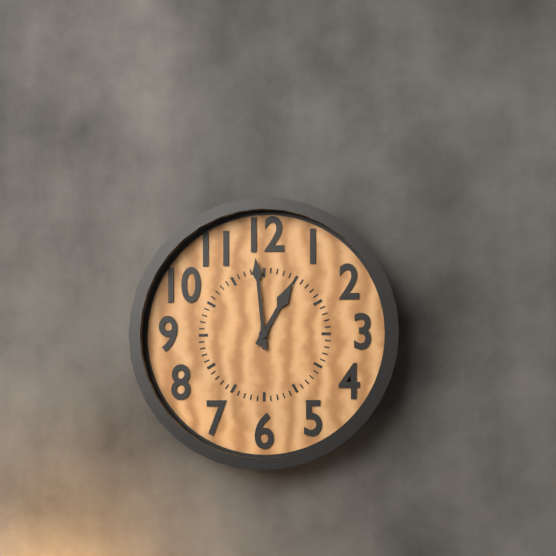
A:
**12:59**
